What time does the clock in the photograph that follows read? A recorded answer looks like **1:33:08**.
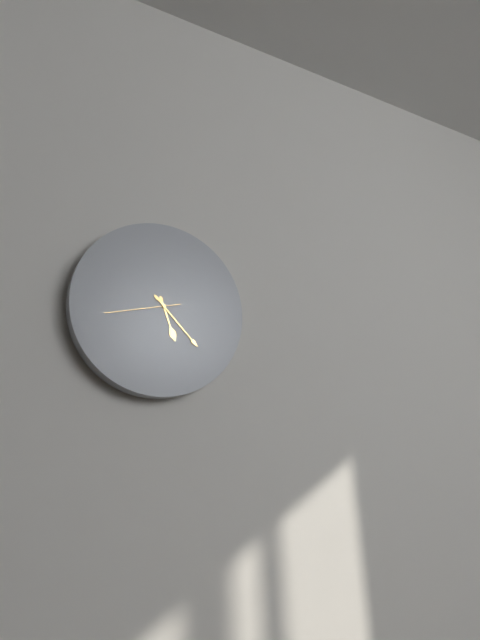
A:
**5:23:43**
